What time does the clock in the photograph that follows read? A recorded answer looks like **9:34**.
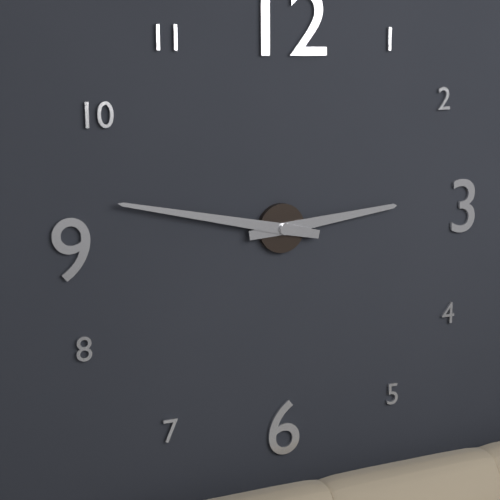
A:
**2:47**
